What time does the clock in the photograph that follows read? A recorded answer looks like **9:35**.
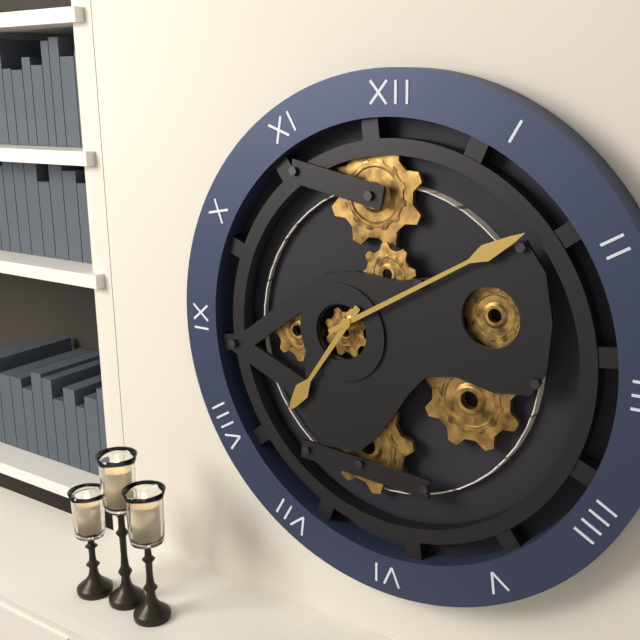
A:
**7:10**
